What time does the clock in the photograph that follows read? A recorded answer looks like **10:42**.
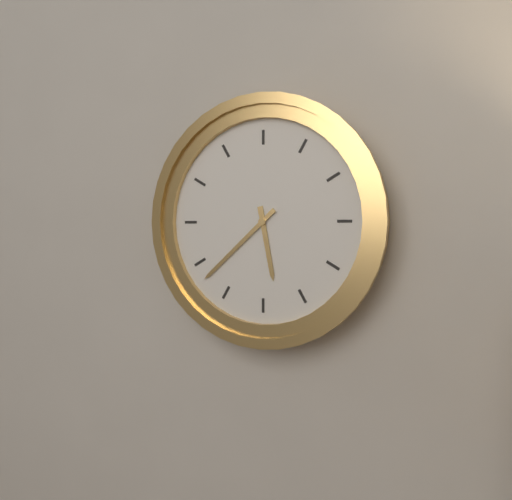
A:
**5:38**
